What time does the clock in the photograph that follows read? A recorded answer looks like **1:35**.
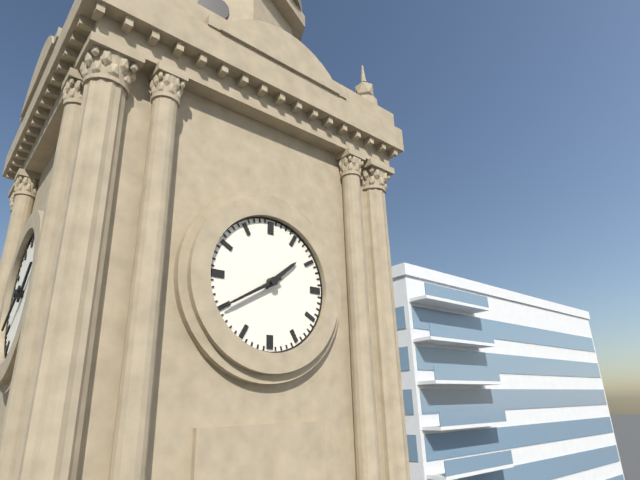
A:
**1:40**
